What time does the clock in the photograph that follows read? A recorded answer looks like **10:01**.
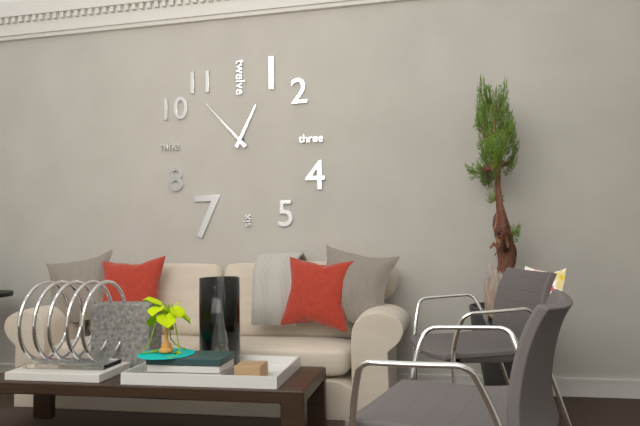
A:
**12:53**
